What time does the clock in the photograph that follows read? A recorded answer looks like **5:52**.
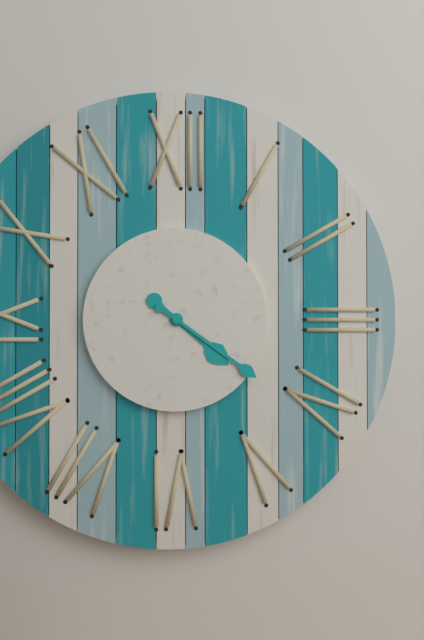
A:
**4:21**
